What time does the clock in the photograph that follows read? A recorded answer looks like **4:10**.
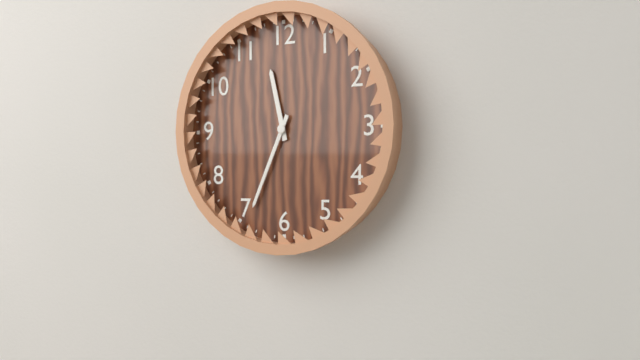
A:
**11:34**
